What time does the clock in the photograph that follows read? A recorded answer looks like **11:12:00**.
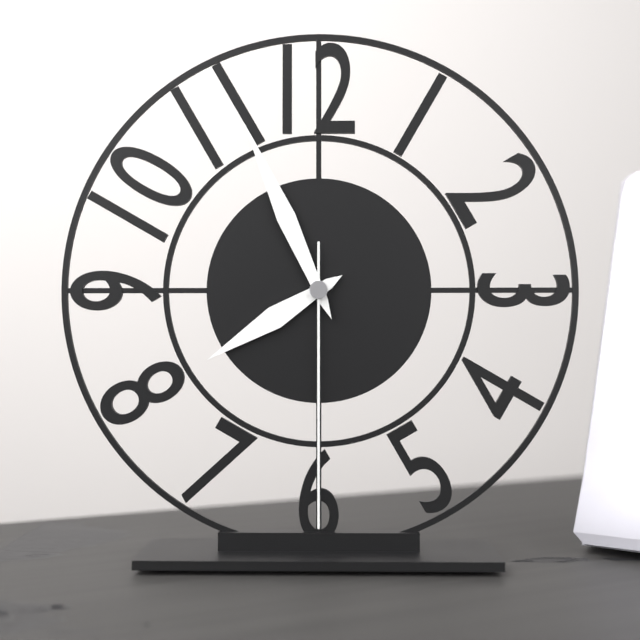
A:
**7:56:30**
